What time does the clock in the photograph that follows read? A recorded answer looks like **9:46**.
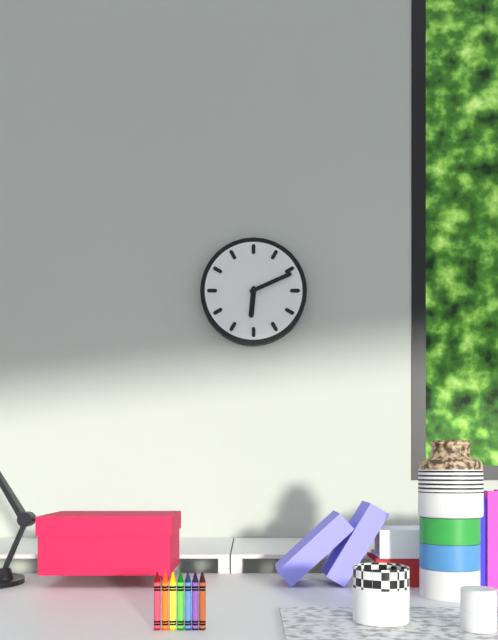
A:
**6:11**
